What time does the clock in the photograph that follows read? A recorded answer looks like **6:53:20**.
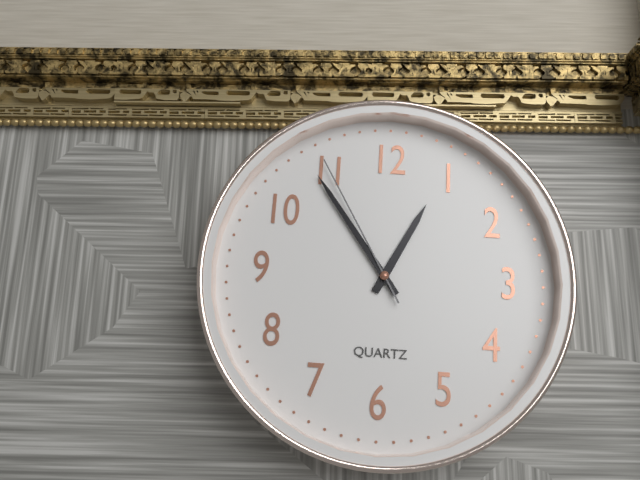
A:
**12:54:55**
